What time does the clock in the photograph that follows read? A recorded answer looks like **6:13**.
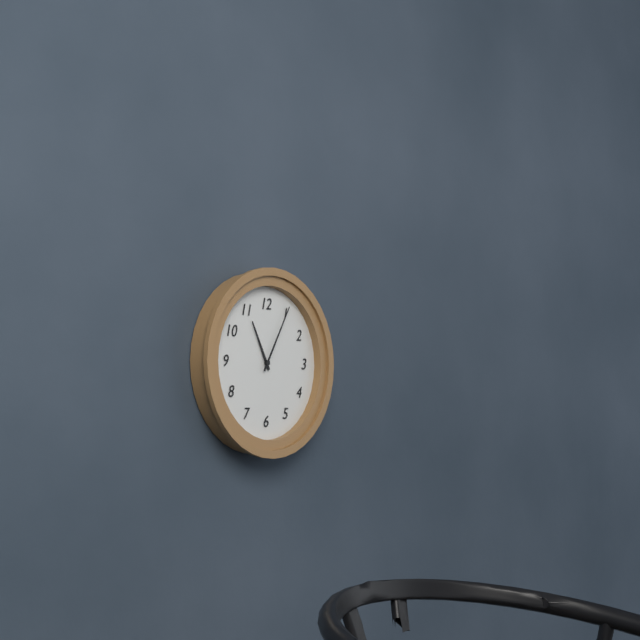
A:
**11:05**
